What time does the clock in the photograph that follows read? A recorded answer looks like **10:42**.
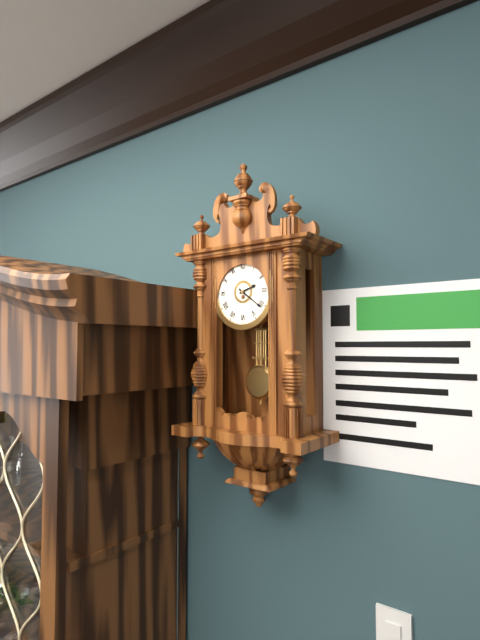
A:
**2:21**
